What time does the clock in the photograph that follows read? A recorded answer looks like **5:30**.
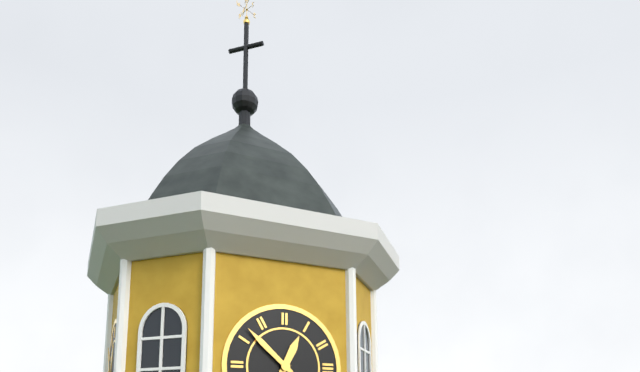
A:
**12:52**
